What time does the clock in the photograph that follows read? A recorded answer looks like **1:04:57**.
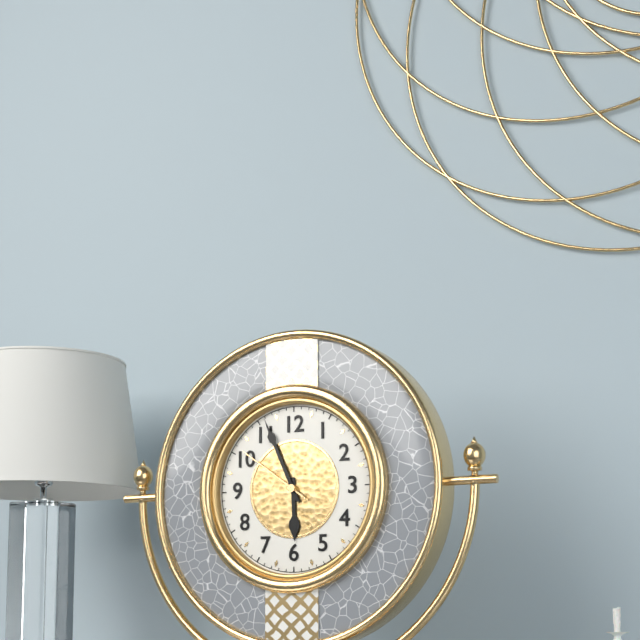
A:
**5:56:51**
